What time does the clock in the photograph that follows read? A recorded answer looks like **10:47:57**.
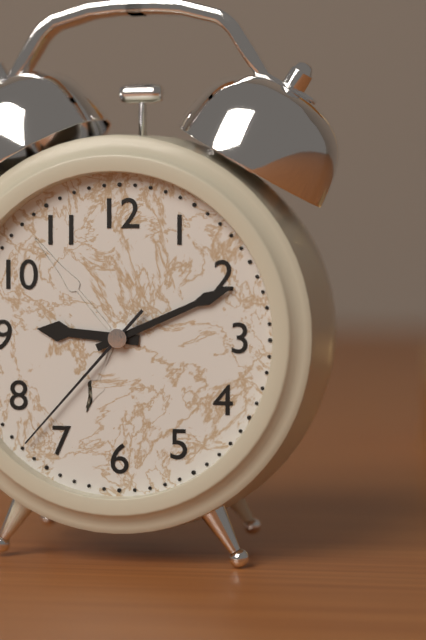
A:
**9:11:37**
